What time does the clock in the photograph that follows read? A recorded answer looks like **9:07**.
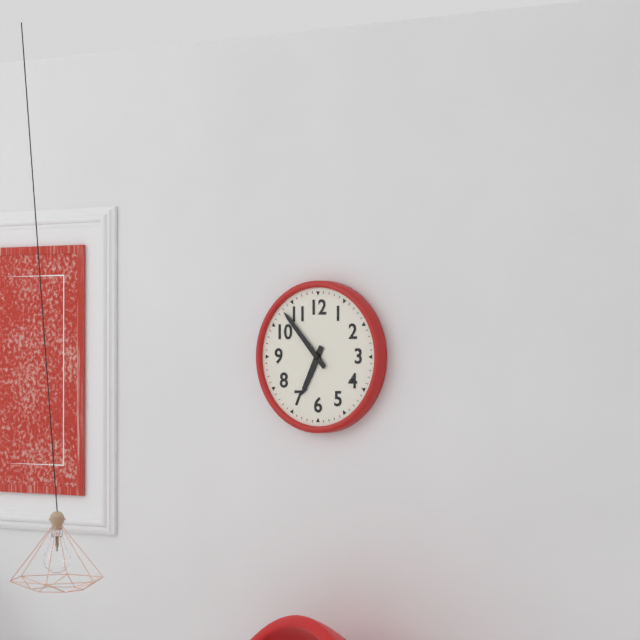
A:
**6:53**
